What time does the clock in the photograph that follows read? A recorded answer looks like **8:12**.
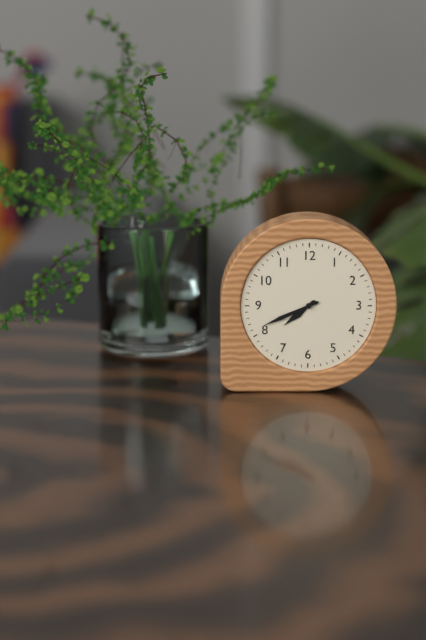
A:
**7:41**
